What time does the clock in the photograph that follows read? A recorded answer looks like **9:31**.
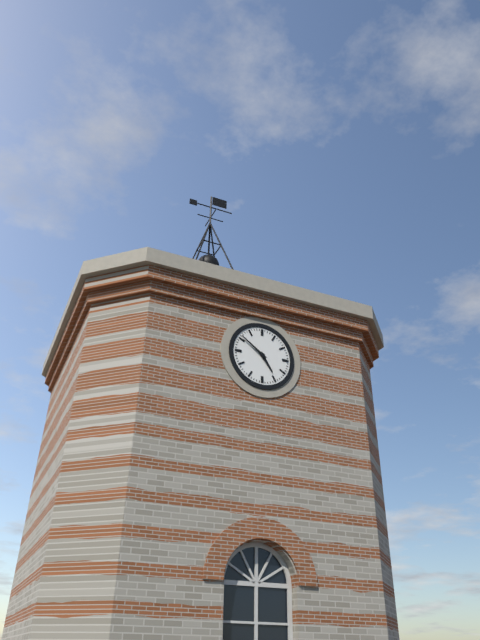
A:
**4:51**
